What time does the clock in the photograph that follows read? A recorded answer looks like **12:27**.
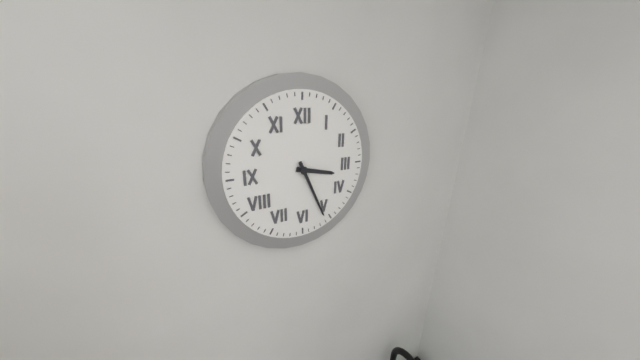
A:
**3:26**
